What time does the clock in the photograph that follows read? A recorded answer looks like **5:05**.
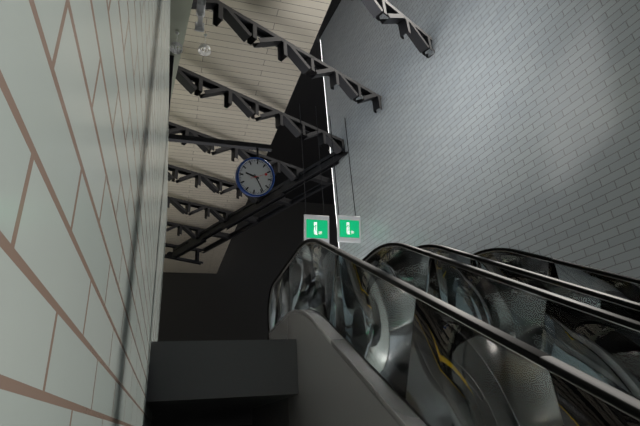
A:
**9:24**
